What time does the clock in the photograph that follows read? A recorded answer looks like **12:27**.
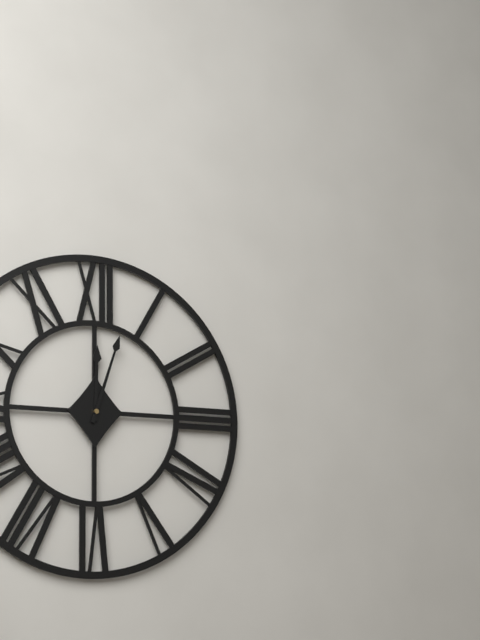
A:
**12:03**
